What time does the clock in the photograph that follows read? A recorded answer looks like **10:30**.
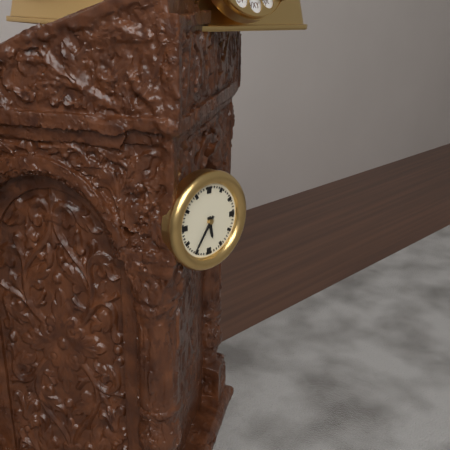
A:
**5:36**
